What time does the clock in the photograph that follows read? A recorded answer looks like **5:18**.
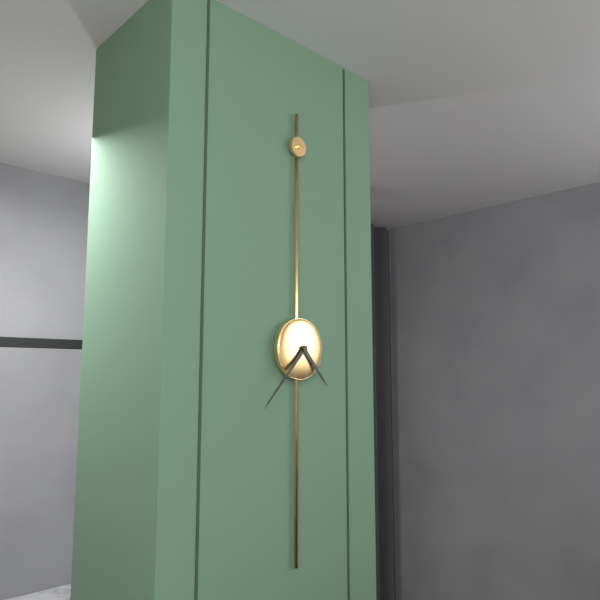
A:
**4:37**
